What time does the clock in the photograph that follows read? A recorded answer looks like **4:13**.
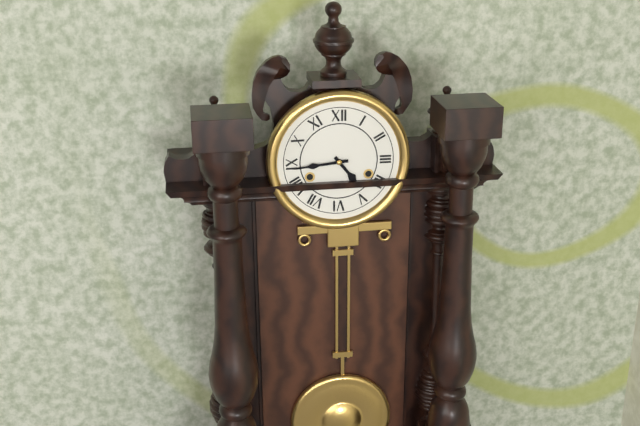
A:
**4:44**
